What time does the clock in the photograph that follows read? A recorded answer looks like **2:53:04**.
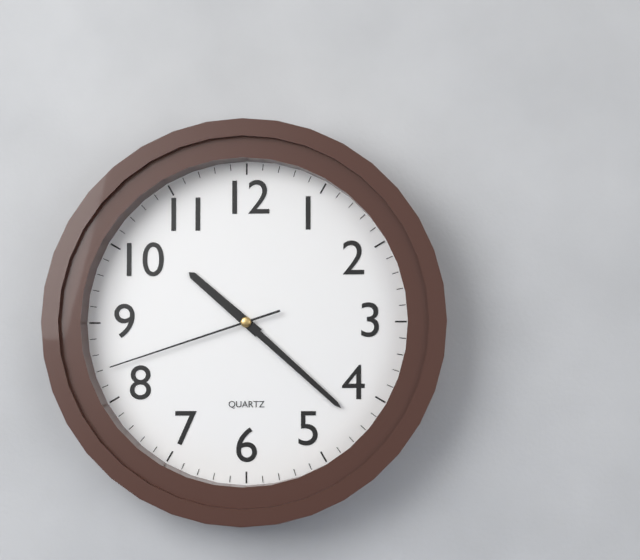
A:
**10:22:42**
